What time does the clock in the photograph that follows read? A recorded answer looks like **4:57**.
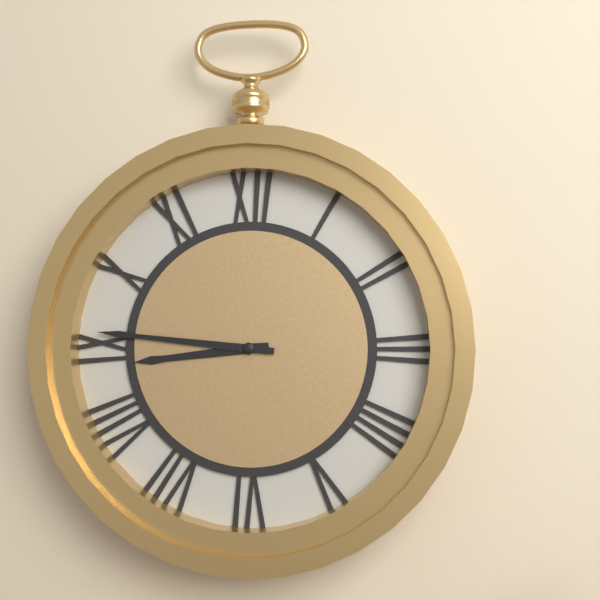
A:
**8:46**
